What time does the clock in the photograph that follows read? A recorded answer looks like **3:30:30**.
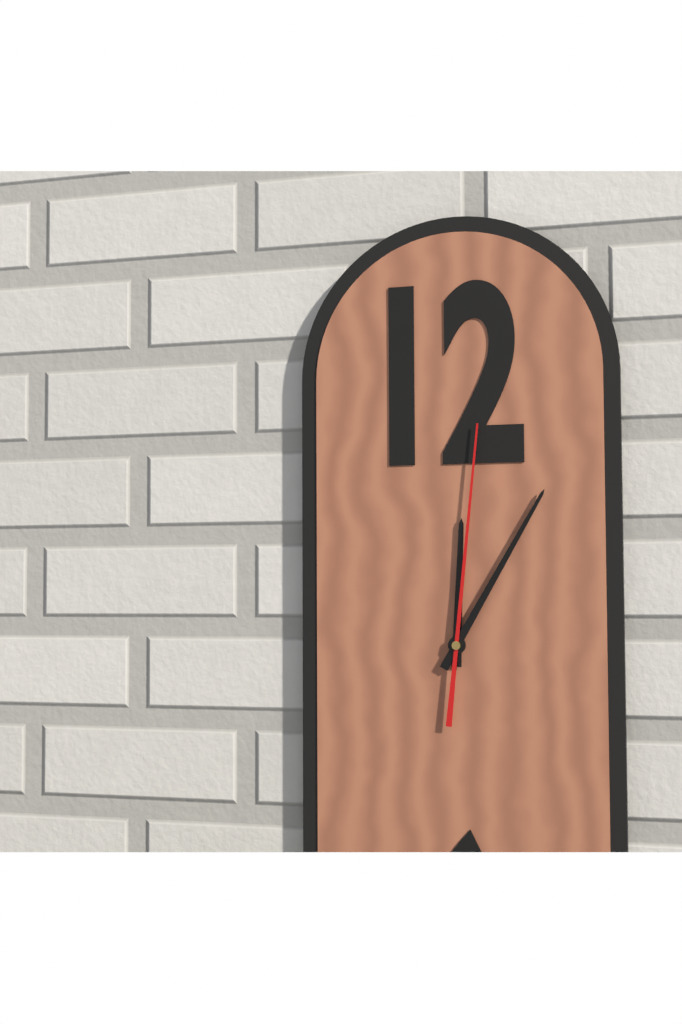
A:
**12:05:01**
